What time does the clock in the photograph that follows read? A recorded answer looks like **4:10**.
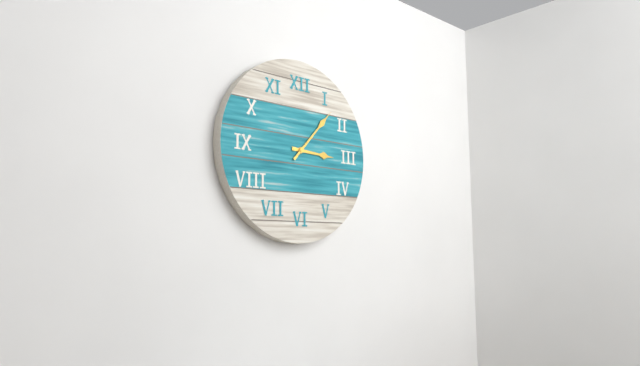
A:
**3:07**
